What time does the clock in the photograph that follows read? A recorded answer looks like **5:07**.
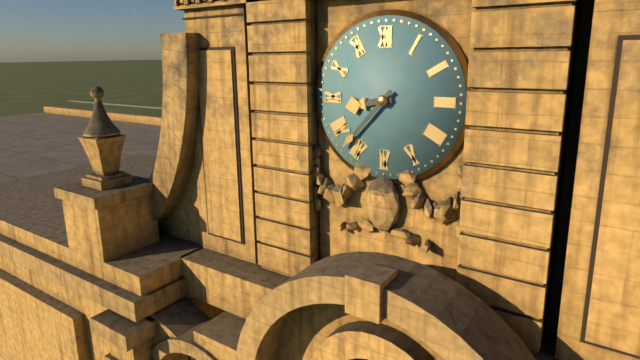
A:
**8:37**
